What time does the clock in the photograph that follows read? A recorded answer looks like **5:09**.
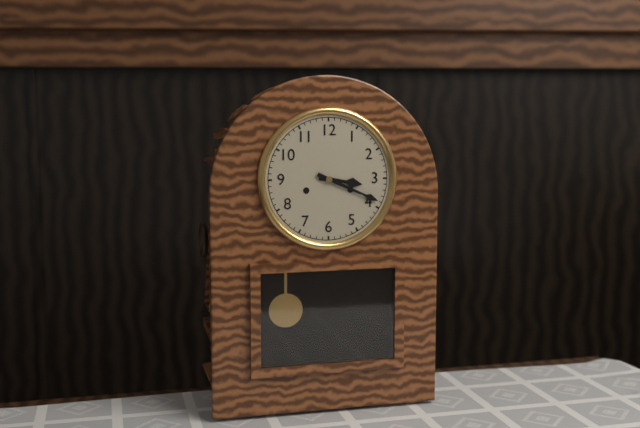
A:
**3:19**
